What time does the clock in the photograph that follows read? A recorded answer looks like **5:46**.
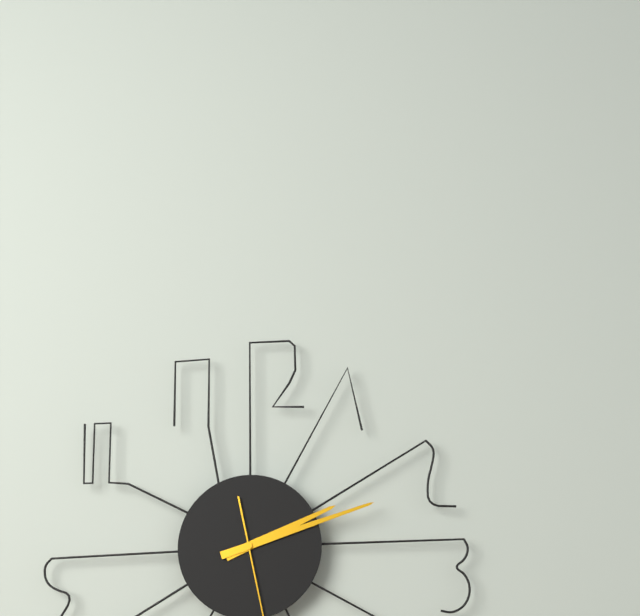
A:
**2:12**
